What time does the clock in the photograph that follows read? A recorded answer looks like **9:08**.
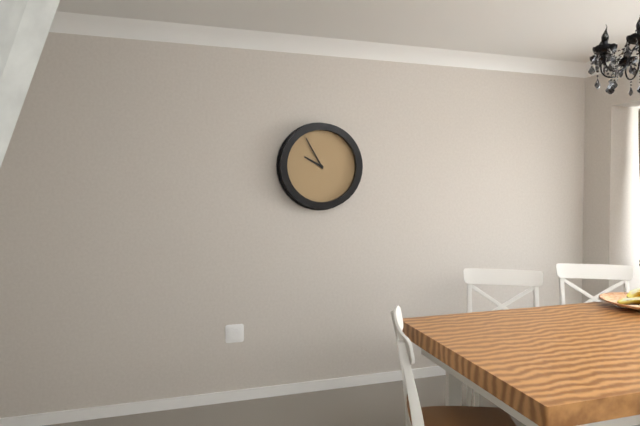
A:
**9:55**
